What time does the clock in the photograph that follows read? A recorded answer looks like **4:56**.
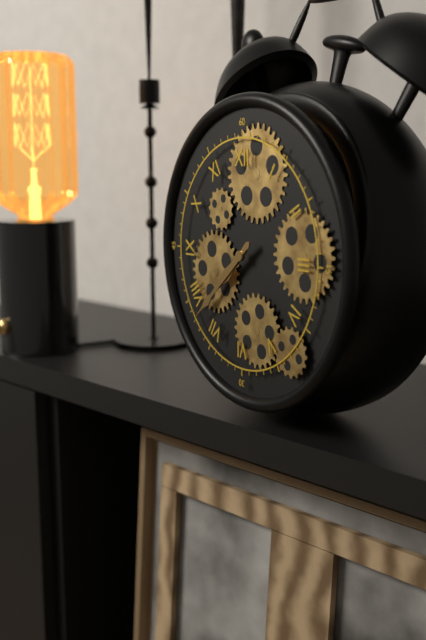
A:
**7:38**
